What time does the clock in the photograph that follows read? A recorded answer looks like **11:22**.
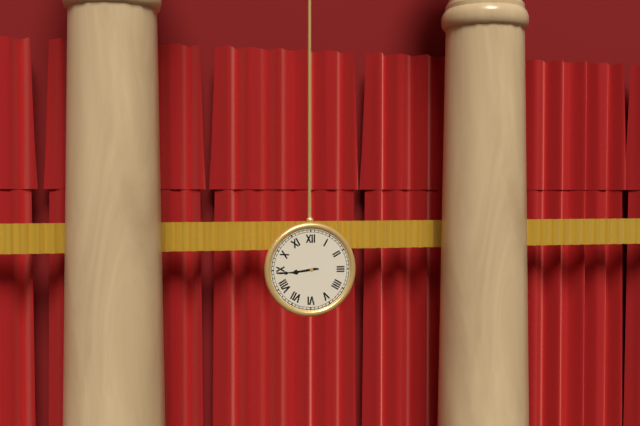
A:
**8:44**
